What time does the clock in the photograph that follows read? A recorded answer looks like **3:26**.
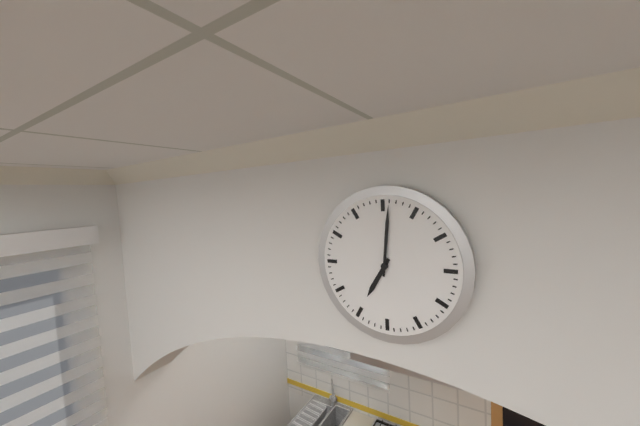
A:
**7:01**
